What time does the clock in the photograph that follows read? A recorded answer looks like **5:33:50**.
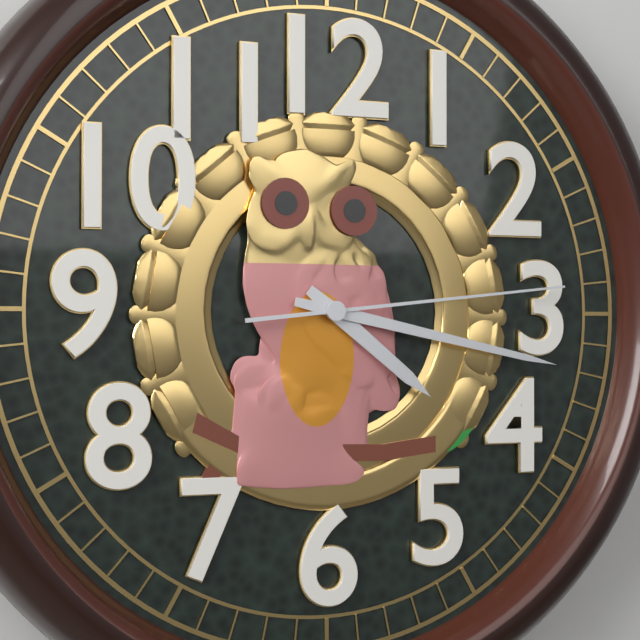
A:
**4:17:14**
